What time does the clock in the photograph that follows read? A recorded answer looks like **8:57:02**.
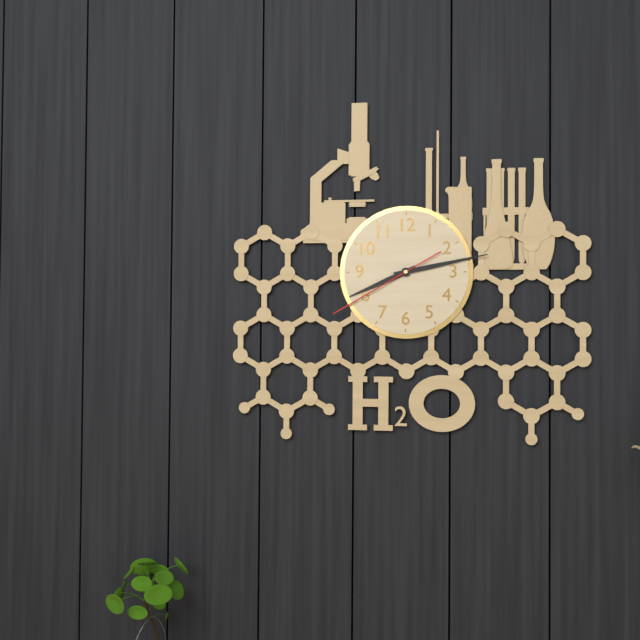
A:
**8:13:40**
